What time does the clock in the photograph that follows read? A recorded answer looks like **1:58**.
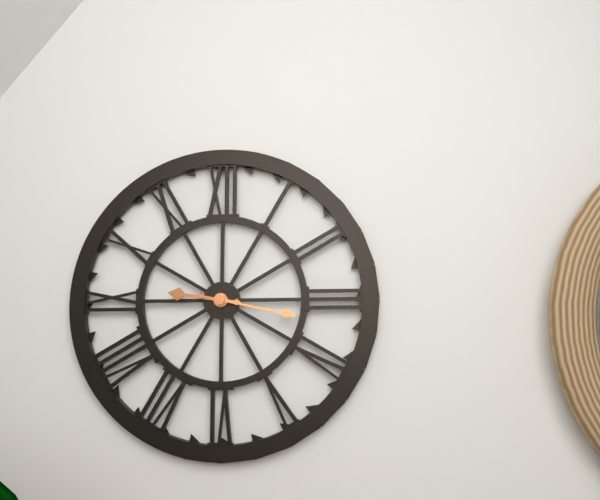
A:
**9:17**
